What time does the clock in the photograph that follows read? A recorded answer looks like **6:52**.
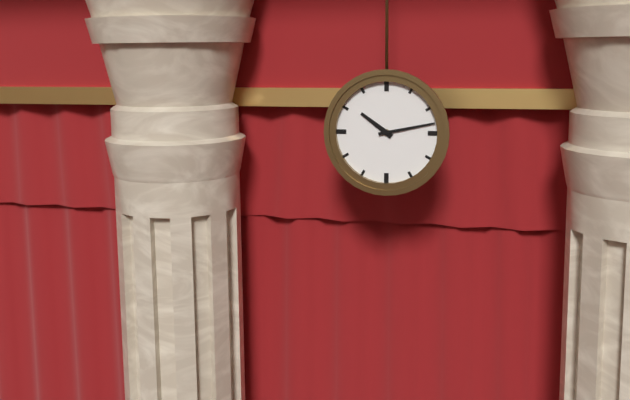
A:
**10:13**
